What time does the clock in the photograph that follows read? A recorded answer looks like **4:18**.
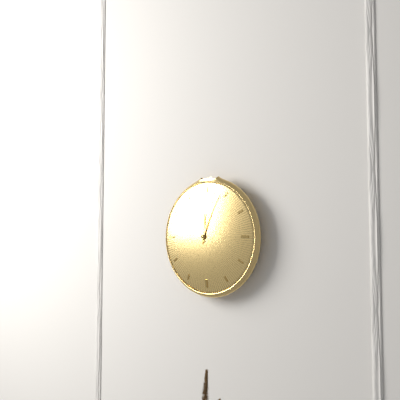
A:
**12:03**
